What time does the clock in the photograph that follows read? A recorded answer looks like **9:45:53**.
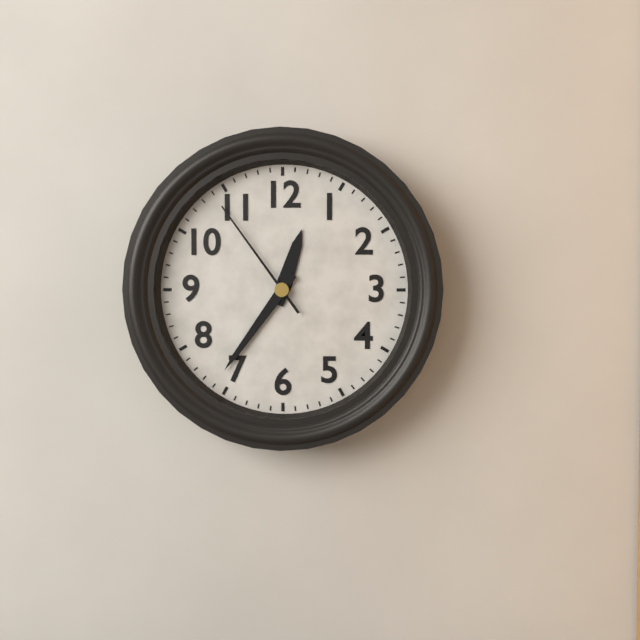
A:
**12:36:54**
